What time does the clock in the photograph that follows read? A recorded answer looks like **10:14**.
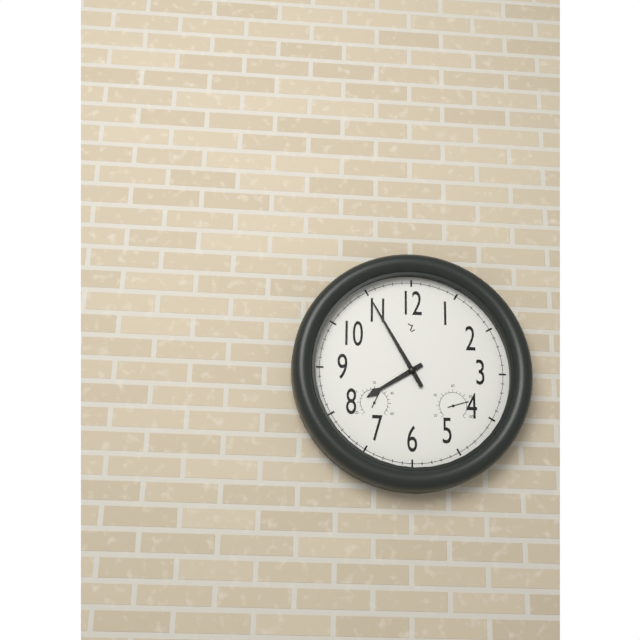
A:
**7:55**
